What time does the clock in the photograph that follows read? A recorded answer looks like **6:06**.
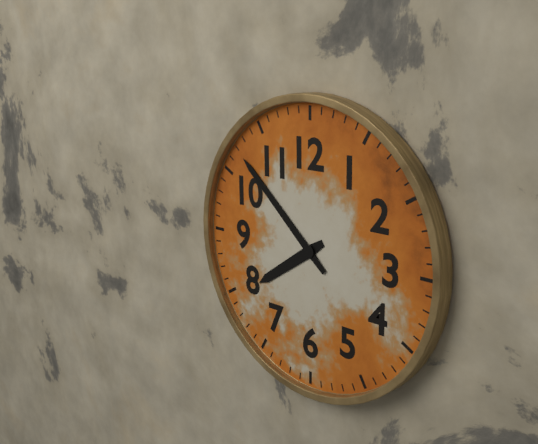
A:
**7:52**
